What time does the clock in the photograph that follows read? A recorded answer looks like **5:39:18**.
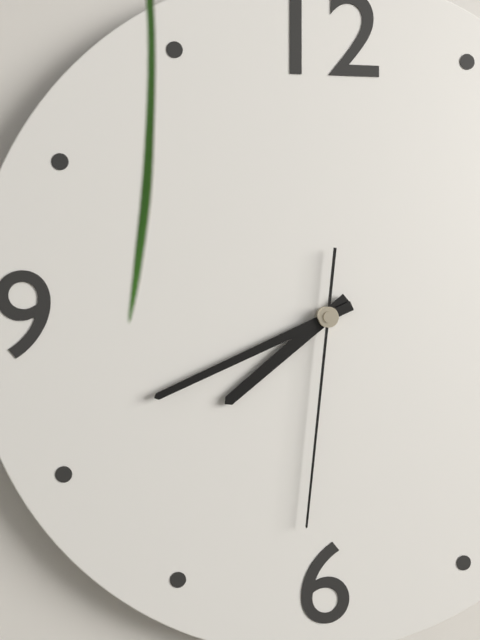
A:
**7:41:31**
